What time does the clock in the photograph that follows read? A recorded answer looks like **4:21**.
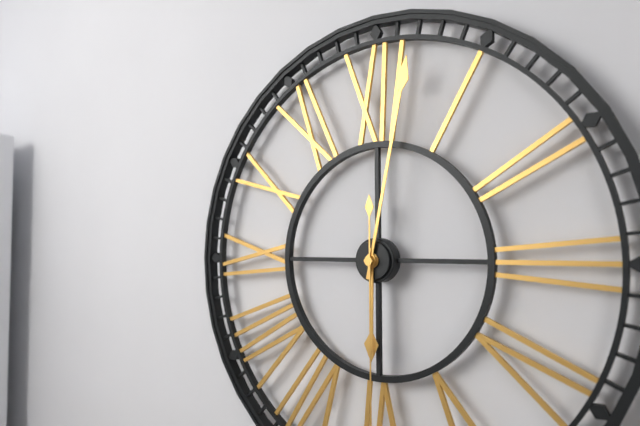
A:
**6:02**
